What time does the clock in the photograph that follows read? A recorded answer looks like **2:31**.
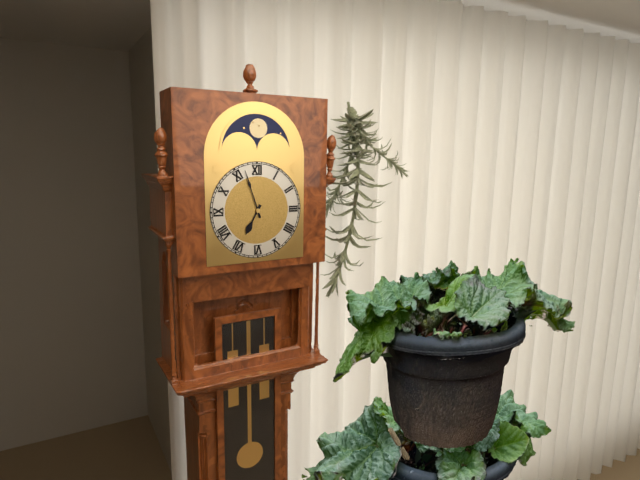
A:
**6:57**
